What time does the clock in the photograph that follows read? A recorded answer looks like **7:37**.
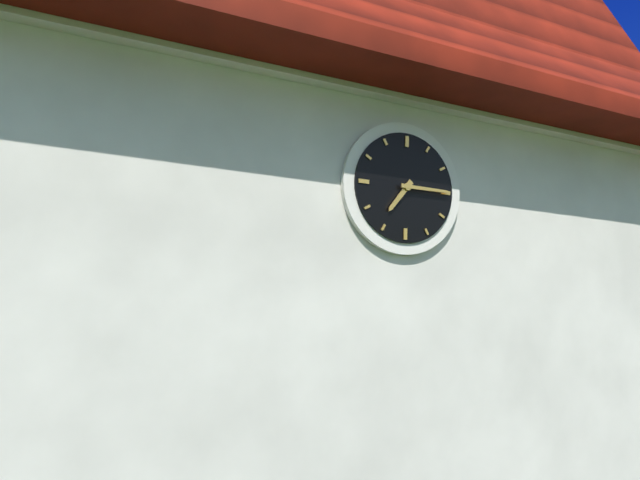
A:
**7:15**
